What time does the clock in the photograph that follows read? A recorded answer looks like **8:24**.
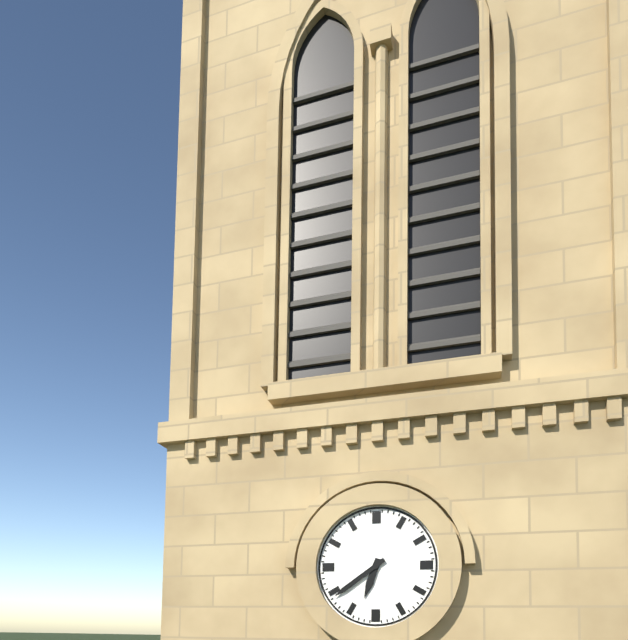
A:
**6:39**
